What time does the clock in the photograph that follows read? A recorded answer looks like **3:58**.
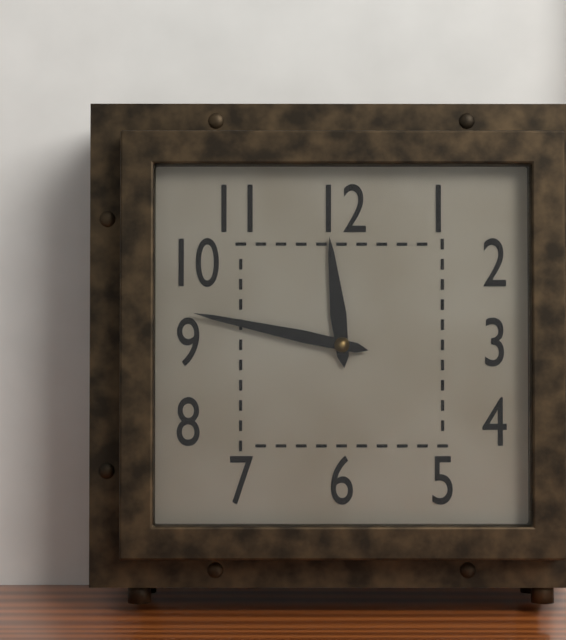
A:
**11:47**
